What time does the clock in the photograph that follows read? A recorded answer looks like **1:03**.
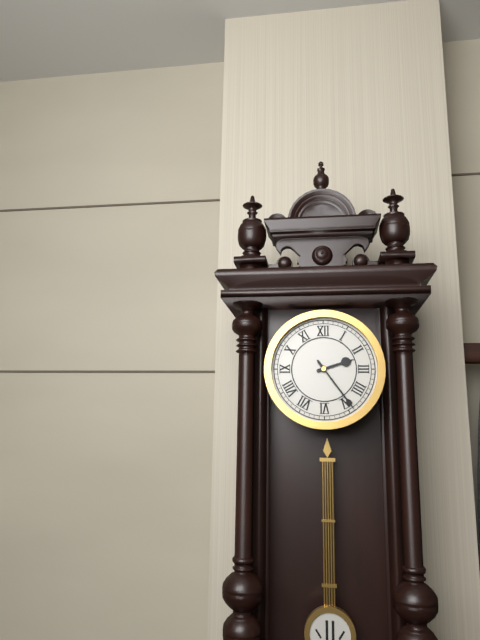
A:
**2:24**
